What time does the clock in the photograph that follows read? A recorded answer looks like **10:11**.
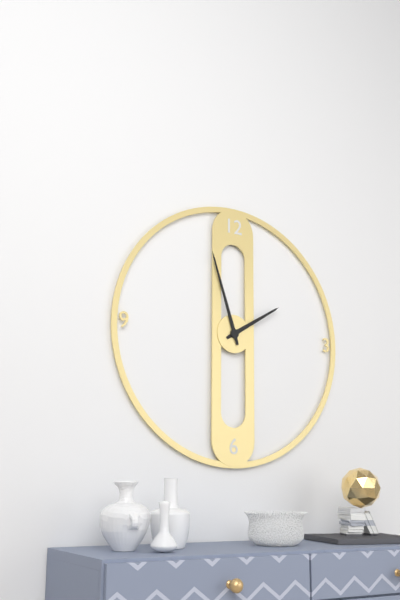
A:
**1:57**
